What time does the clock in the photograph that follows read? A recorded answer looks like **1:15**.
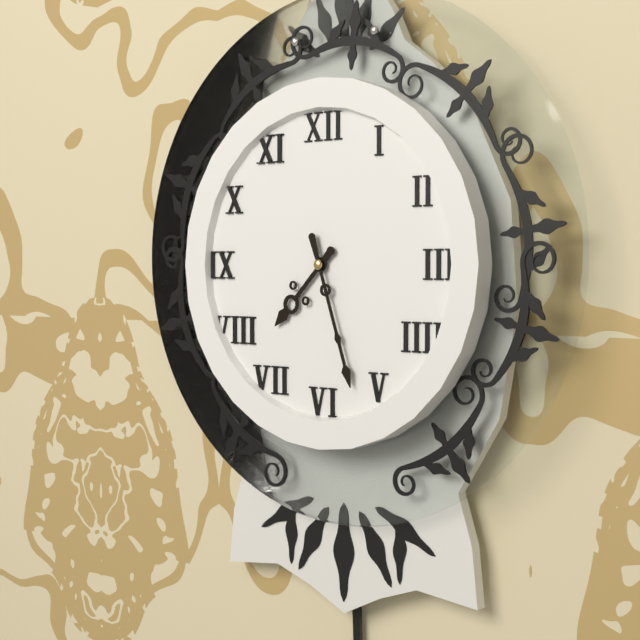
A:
**7:27**
